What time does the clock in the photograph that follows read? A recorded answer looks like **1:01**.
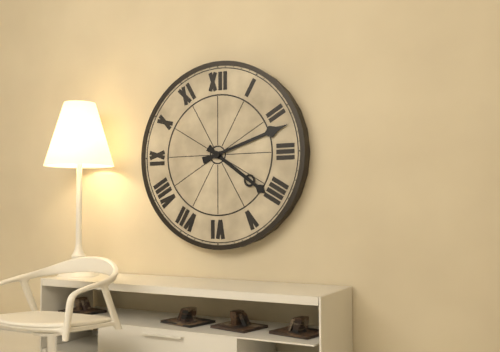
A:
**4:12**
